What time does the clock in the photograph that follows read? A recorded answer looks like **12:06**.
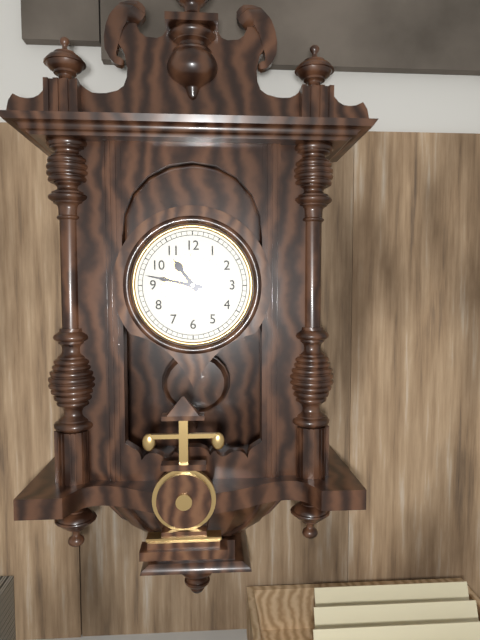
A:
**10:47**
